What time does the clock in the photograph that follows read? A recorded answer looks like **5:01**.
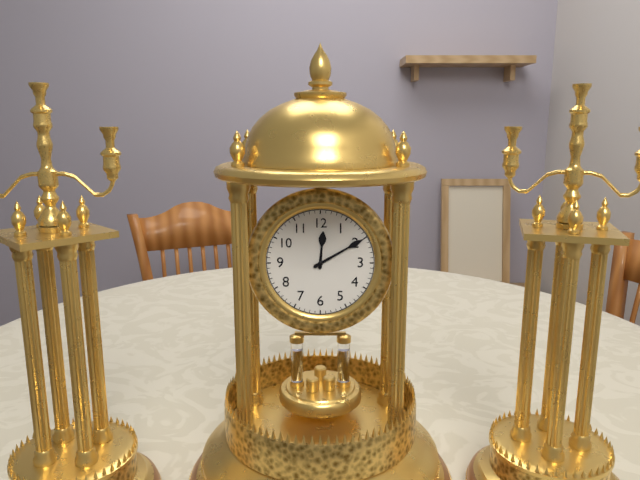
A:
**12:10**
